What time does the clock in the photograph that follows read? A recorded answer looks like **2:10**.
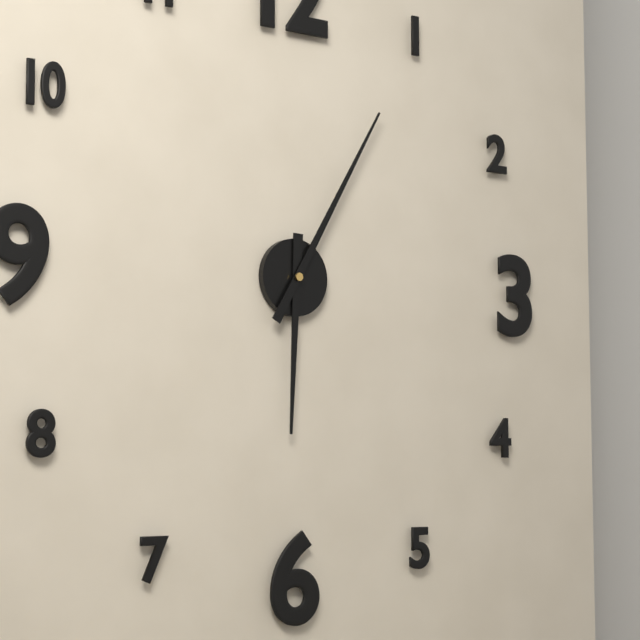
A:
**6:05**
